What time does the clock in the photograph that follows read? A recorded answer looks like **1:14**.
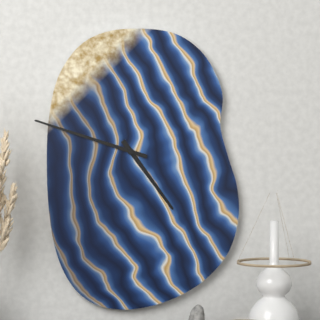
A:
**4:48**
